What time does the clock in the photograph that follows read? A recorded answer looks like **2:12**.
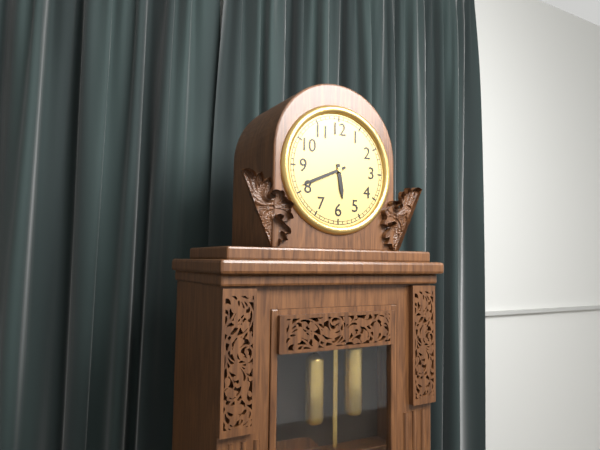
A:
**5:41**
